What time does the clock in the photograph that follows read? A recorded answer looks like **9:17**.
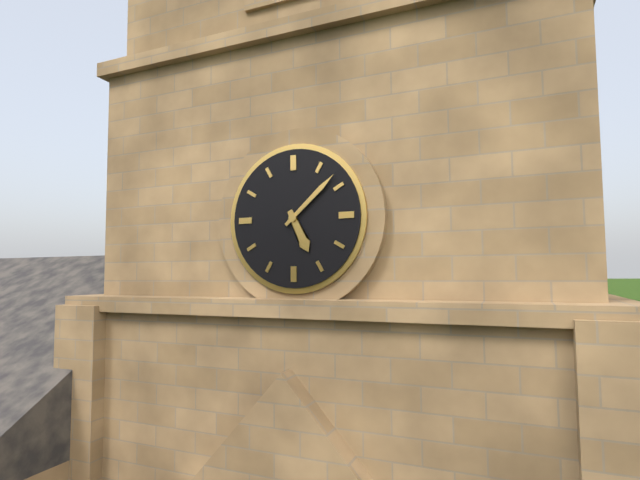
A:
**5:08**
